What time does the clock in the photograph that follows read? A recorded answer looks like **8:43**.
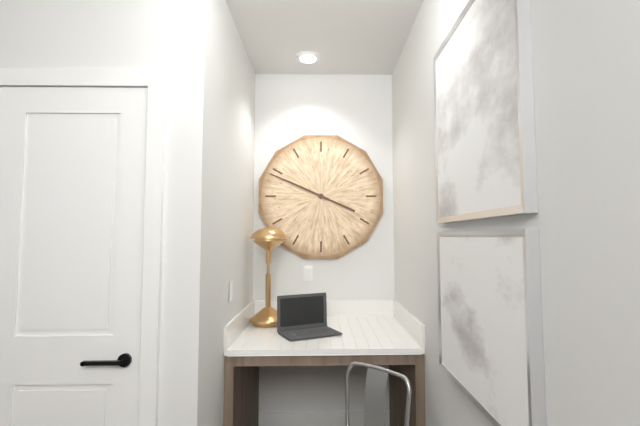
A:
**9:49**
